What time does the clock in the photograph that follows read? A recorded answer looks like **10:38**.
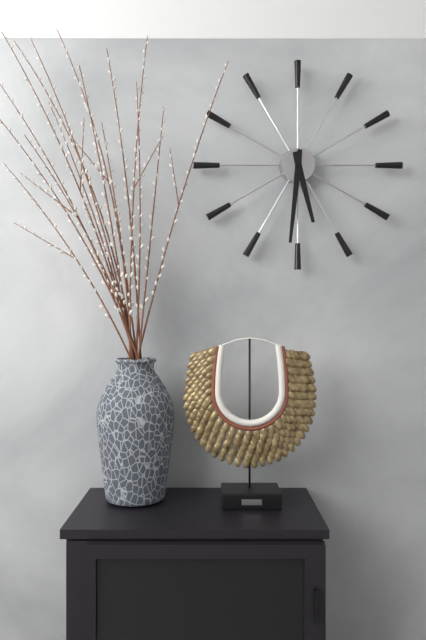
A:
**5:31**
